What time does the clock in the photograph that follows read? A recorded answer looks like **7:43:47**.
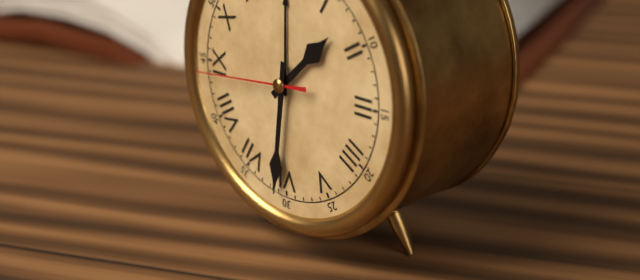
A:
**1:31:44**
